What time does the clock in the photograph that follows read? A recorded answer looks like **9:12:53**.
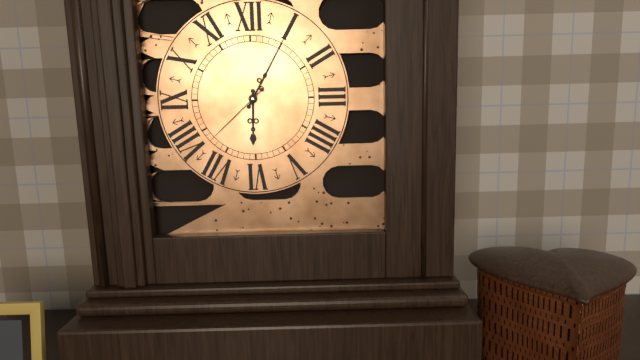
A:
**6:05:38**
